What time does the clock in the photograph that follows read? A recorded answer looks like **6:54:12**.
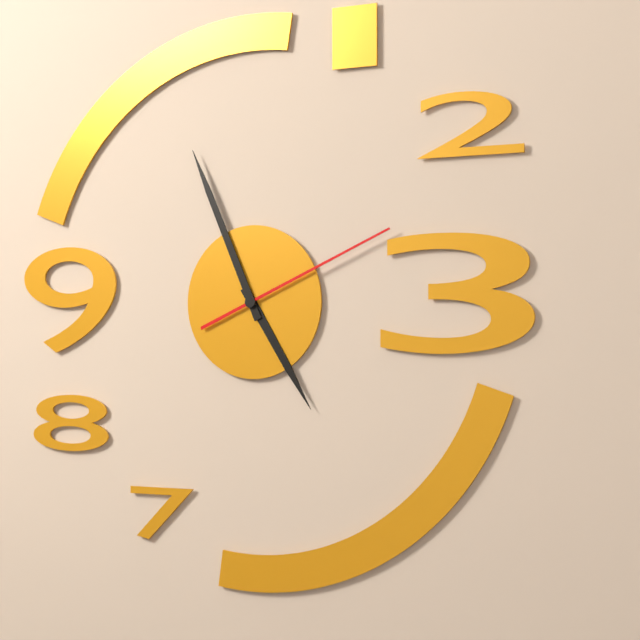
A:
**4:56:11**
